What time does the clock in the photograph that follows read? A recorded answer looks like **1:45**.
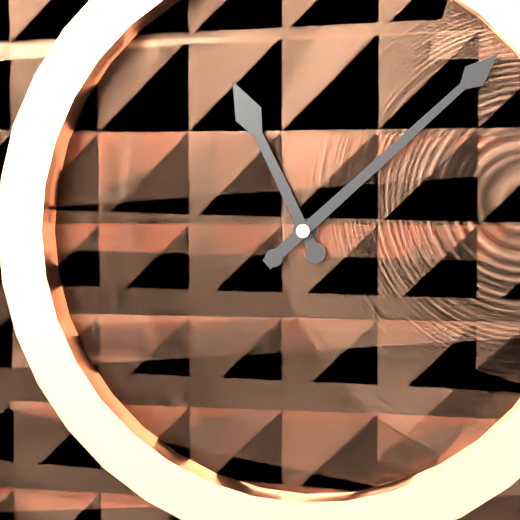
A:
**11:08**
